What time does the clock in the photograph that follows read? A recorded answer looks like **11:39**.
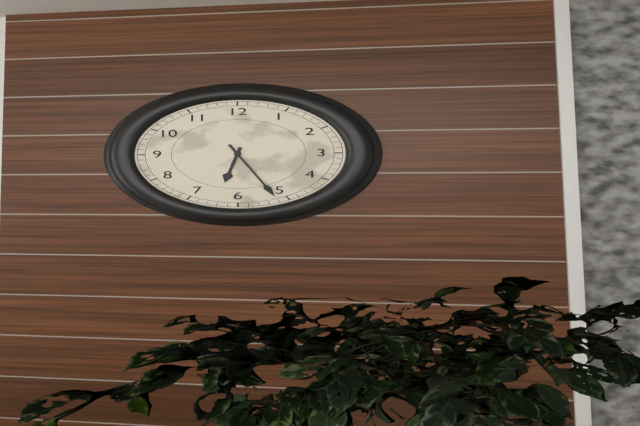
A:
**6:26**
